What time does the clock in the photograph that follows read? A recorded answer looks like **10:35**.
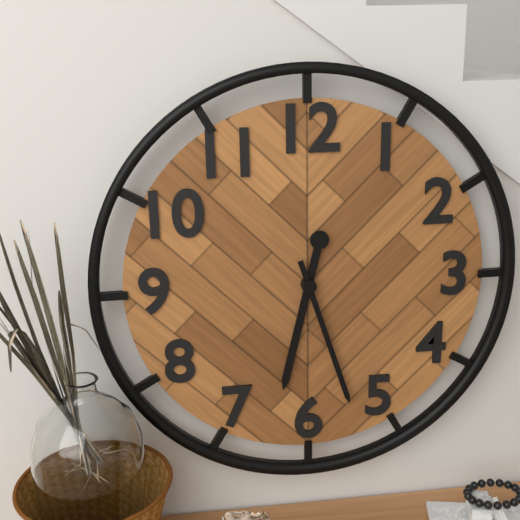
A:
**6:27**
